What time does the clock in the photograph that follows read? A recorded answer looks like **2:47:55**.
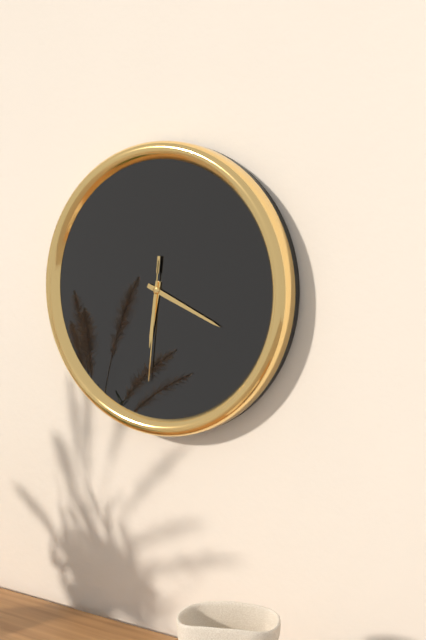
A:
**6:19:31**
